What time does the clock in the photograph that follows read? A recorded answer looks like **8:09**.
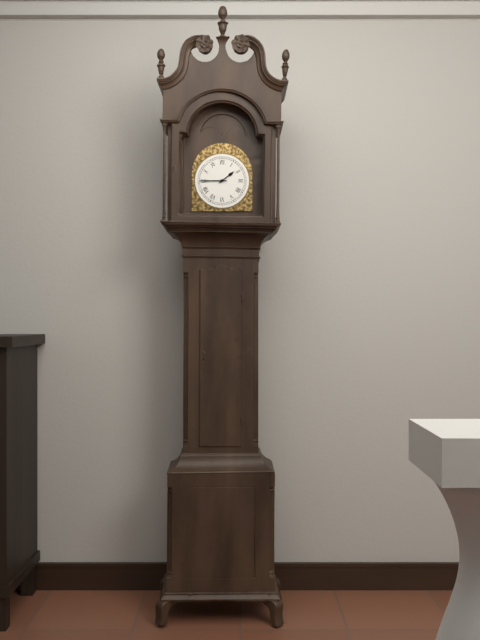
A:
**1:45**
